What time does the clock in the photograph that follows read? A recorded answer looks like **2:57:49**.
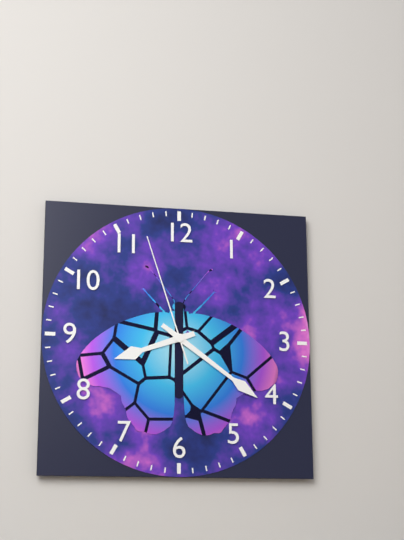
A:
**8:21:57**
